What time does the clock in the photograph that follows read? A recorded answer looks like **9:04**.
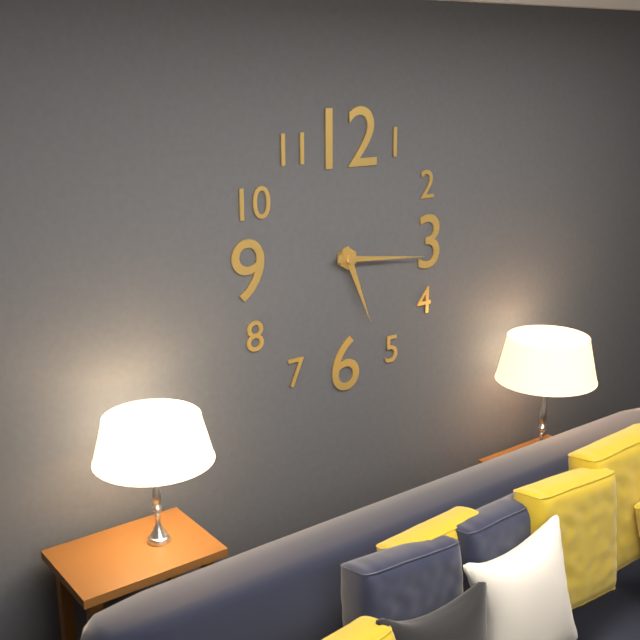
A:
**5:16**
